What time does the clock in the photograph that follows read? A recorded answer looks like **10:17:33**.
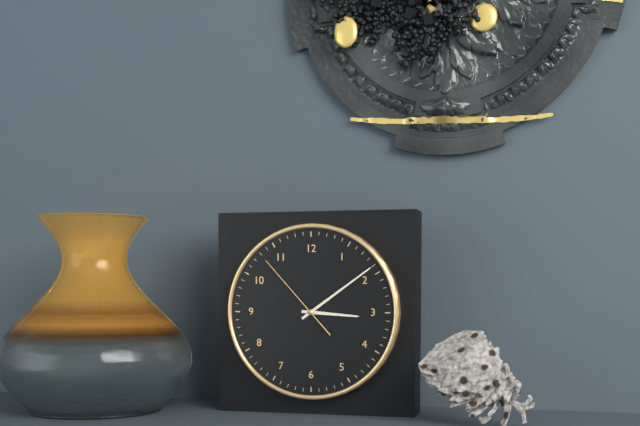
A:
**3:09:53**
